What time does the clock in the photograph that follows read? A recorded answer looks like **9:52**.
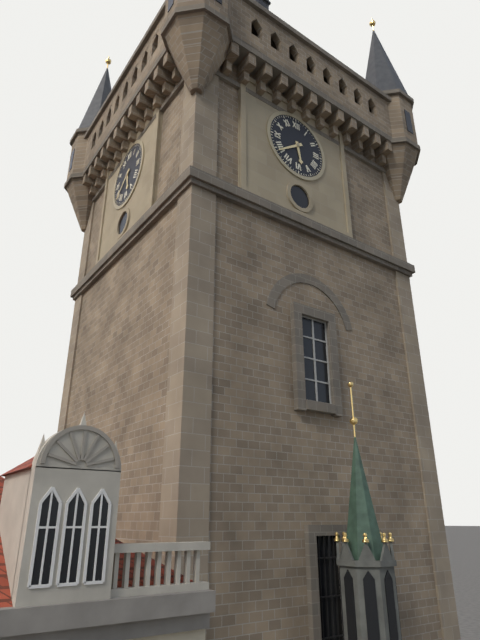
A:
**5:39**
